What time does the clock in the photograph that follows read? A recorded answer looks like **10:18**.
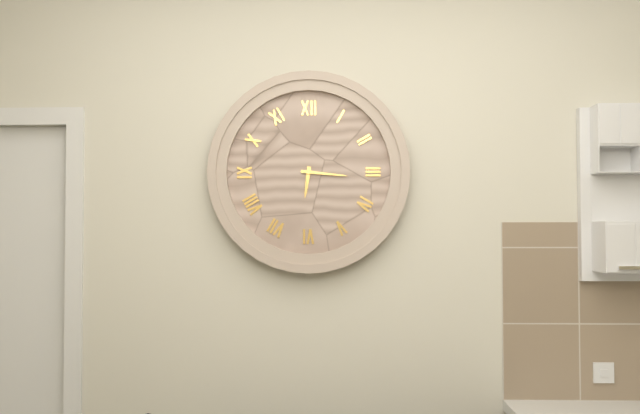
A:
**6:16**
